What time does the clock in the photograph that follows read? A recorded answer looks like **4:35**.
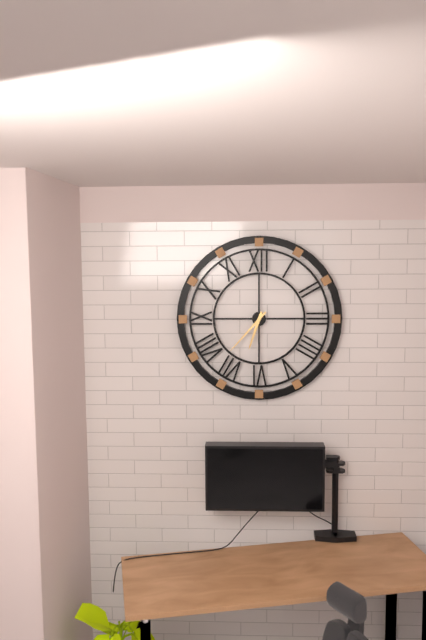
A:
**6:37**
